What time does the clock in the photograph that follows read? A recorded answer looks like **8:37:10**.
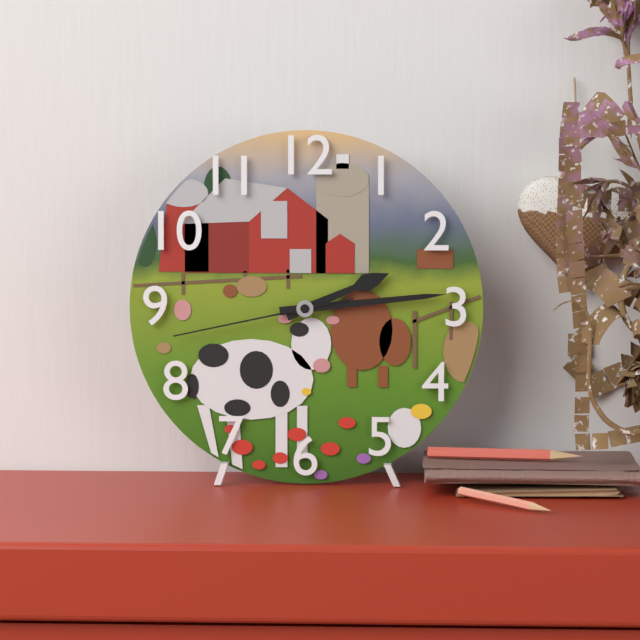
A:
**2:14:43**
